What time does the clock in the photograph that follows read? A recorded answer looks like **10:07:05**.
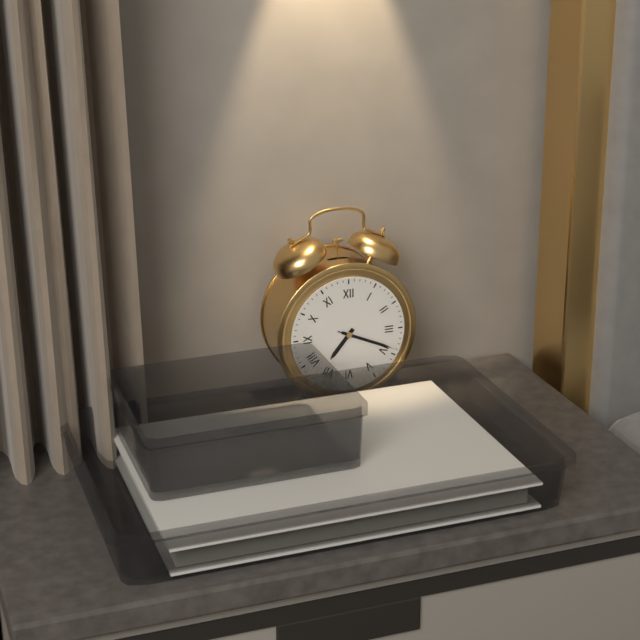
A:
**7:19:19**
